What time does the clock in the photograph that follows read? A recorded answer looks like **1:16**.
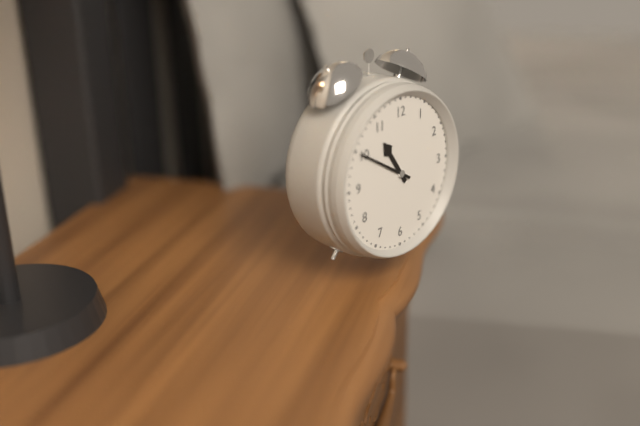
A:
**10:50**
